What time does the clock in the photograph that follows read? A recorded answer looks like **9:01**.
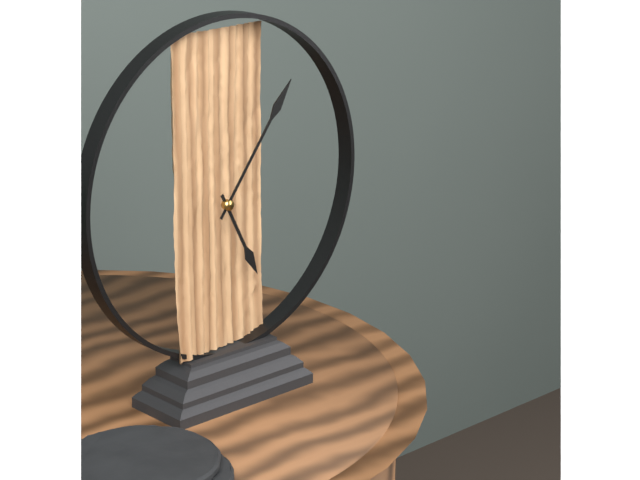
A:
**5:06**
